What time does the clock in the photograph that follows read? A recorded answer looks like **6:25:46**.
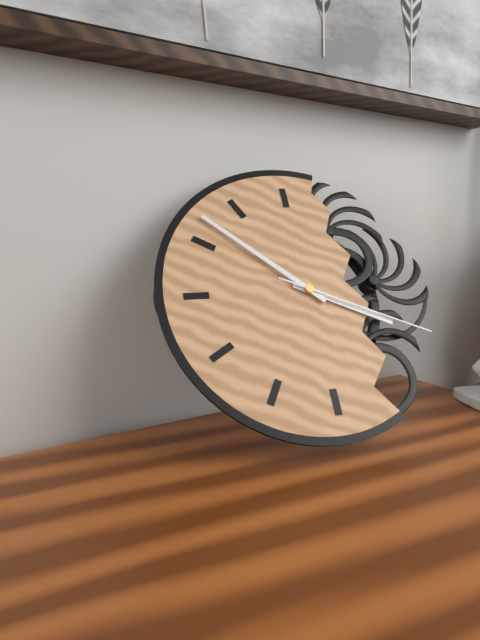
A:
**3:52:19**
